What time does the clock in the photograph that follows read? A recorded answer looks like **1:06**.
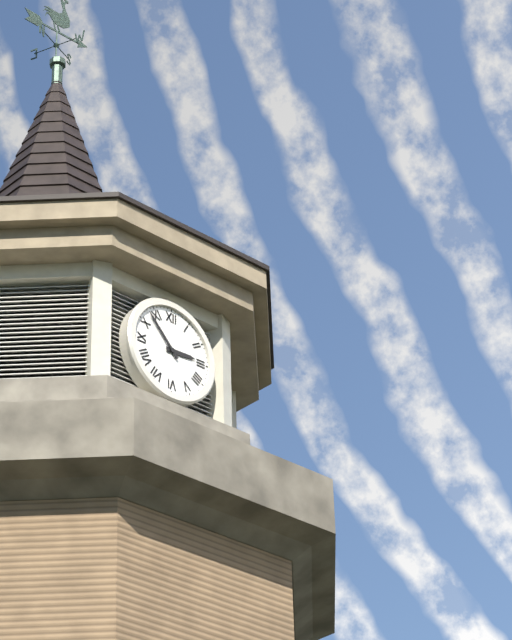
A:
**2:53**
